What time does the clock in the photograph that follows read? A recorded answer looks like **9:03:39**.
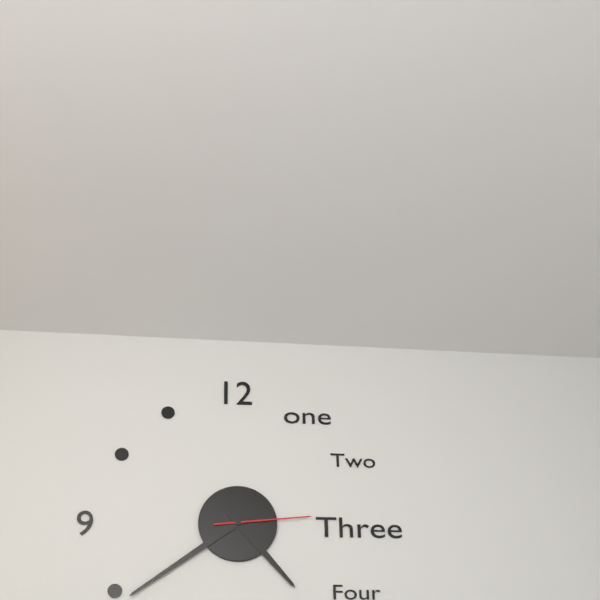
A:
**4:39:14**
